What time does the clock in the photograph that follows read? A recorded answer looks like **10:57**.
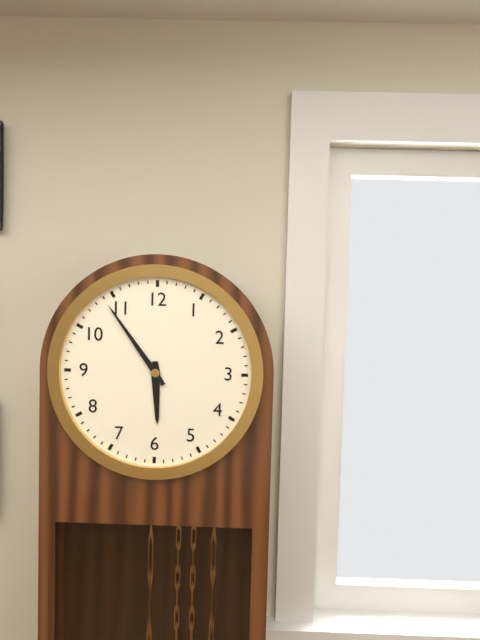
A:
**5:54**
